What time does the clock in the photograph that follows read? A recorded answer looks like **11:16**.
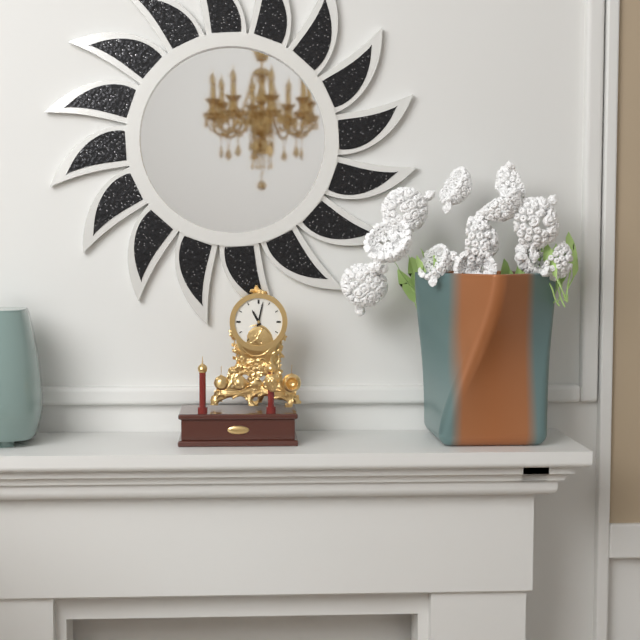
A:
**11:02**
